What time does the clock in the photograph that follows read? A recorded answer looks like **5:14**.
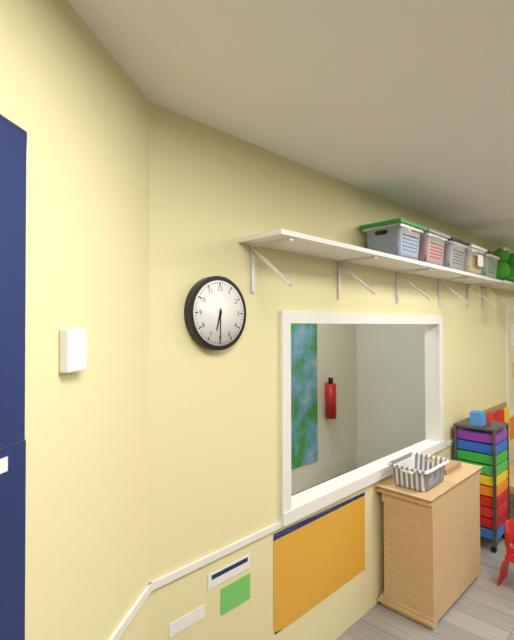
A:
**6:30**
